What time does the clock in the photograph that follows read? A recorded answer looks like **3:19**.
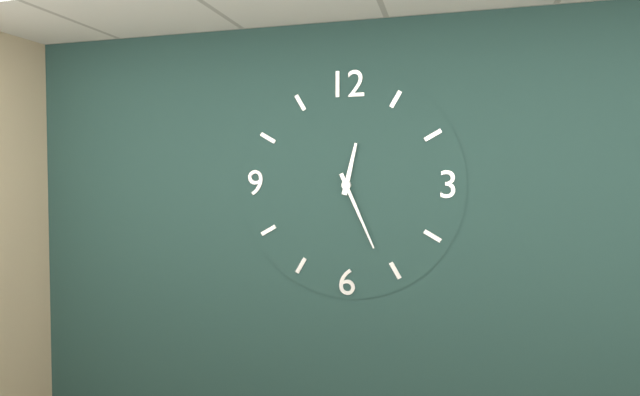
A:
**12:26**
